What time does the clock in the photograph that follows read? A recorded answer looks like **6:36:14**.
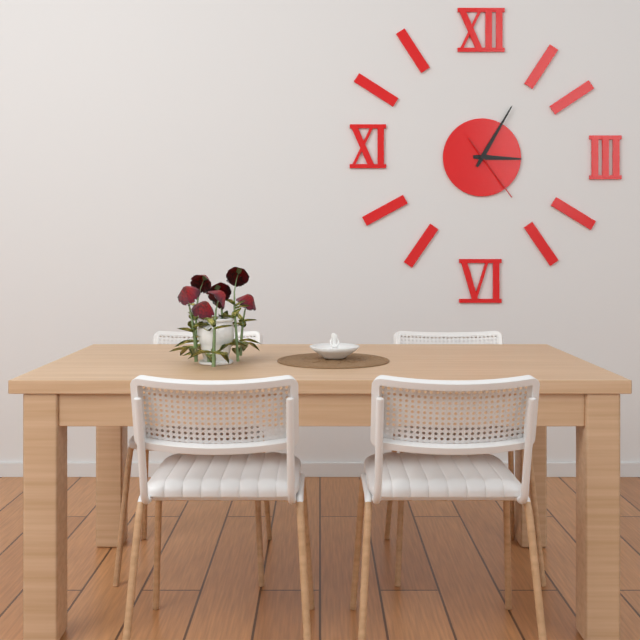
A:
**3:05:24**
